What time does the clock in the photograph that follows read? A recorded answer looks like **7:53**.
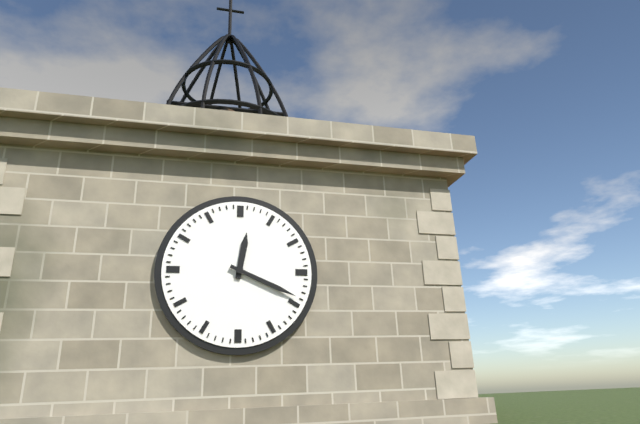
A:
**12:19**
